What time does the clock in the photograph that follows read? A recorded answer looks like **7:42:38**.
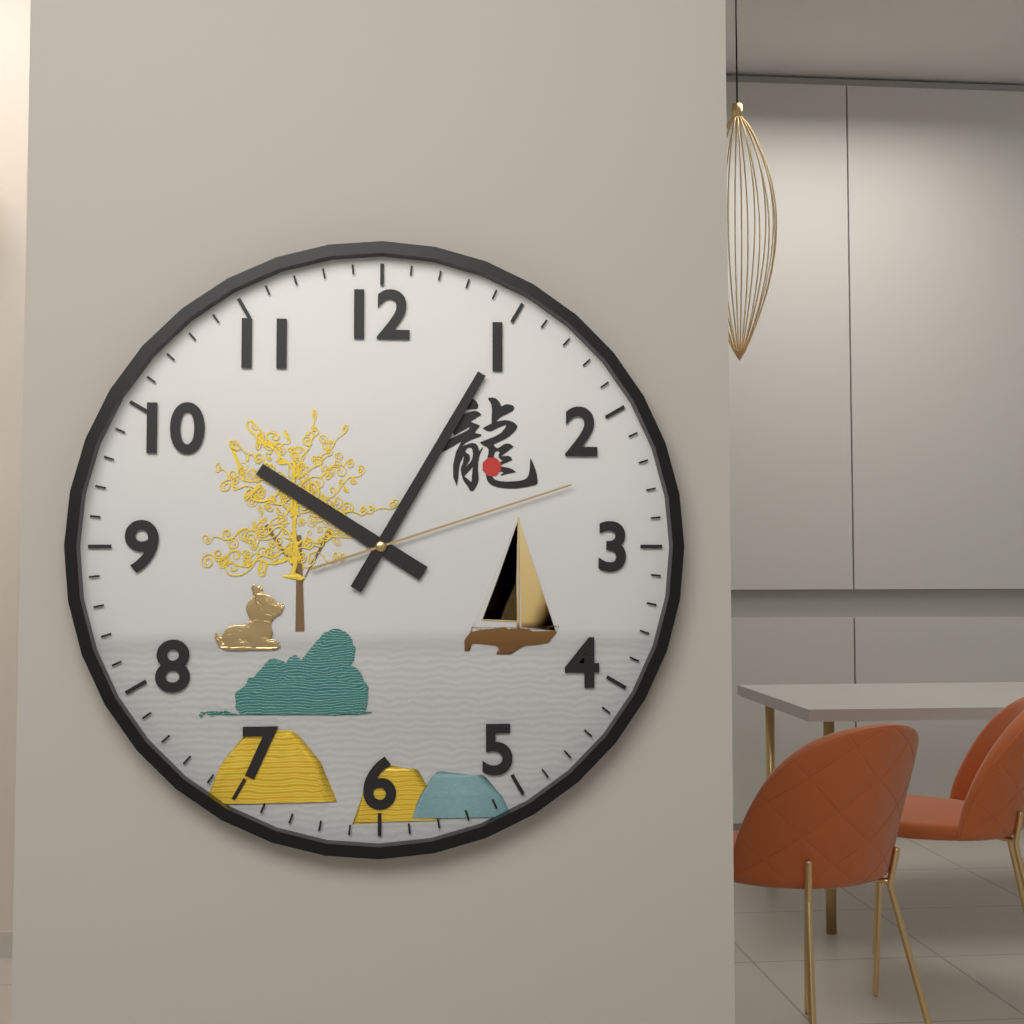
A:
**10:05:12**
